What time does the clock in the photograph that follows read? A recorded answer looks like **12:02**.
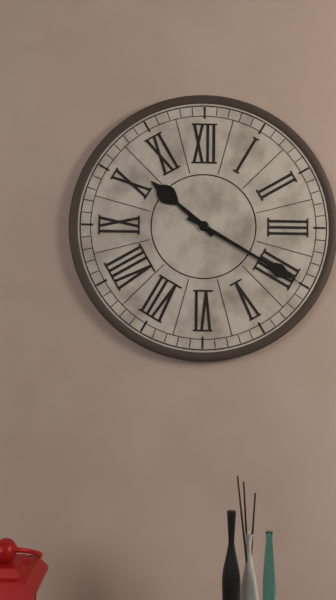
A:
**10:20**
